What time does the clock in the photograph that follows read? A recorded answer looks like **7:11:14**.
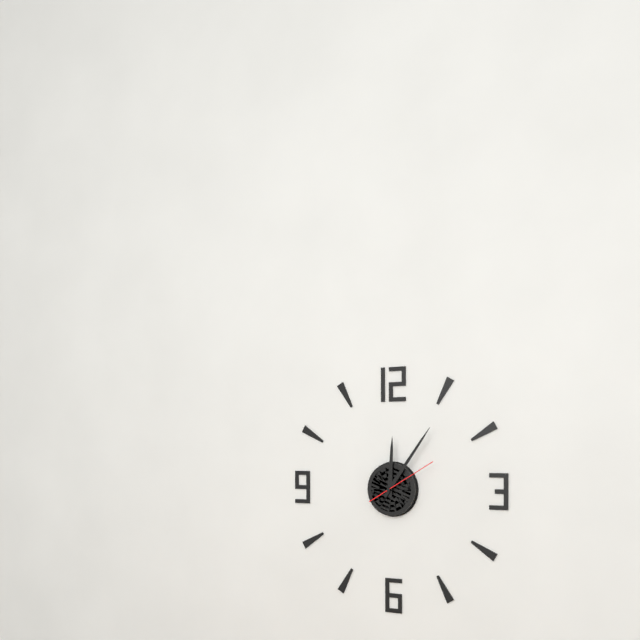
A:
**12:06:10**
